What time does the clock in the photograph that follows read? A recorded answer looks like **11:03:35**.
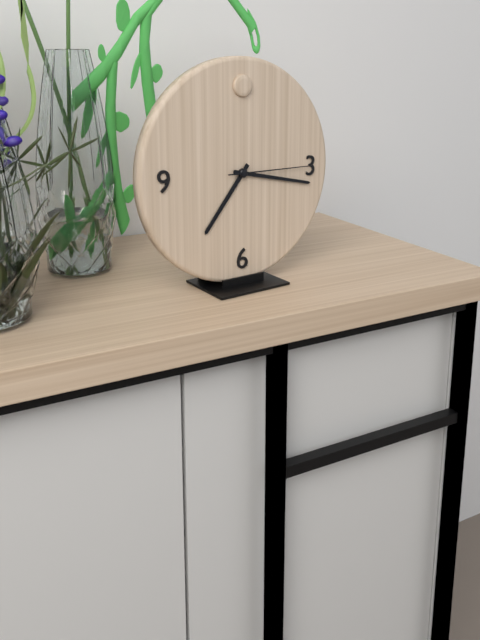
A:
**7:17:15**
